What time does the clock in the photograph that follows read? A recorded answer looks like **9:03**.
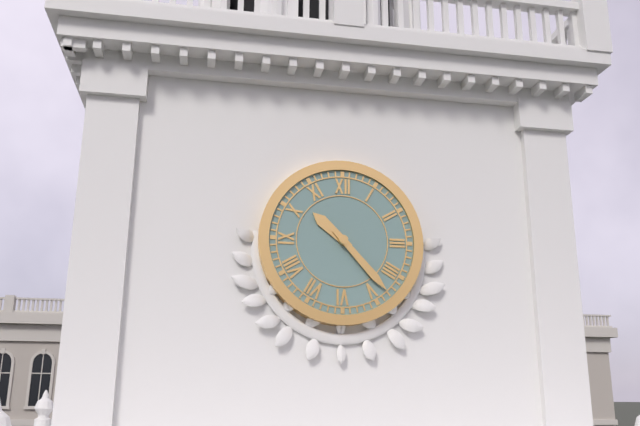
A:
**10:23**
